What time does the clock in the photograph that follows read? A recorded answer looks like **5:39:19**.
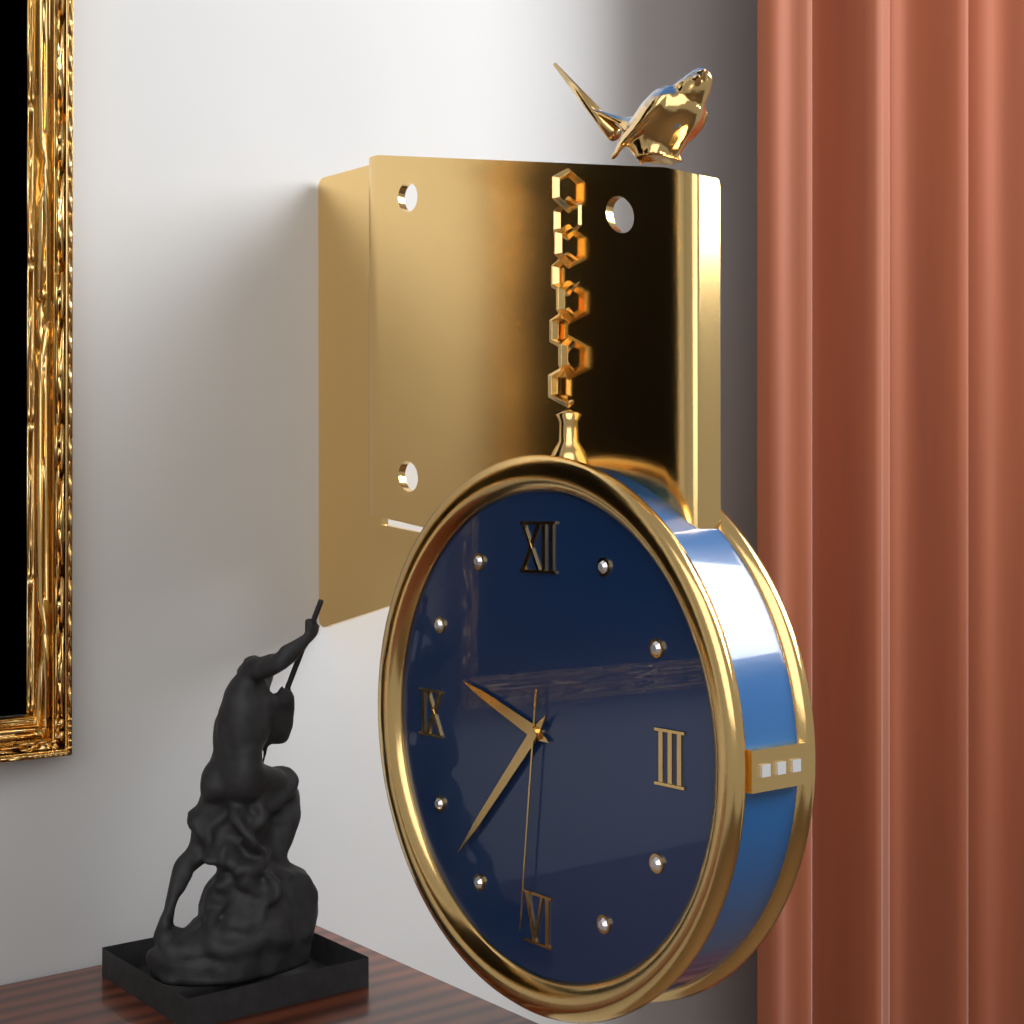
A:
**9:37:31**
